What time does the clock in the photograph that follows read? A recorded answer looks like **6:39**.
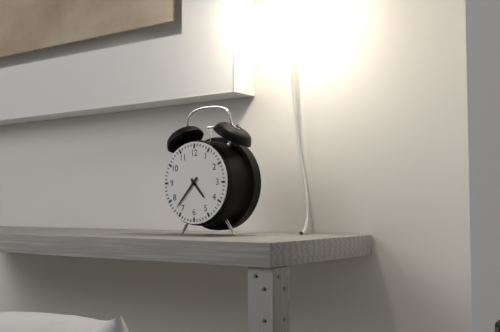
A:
**4:37**
